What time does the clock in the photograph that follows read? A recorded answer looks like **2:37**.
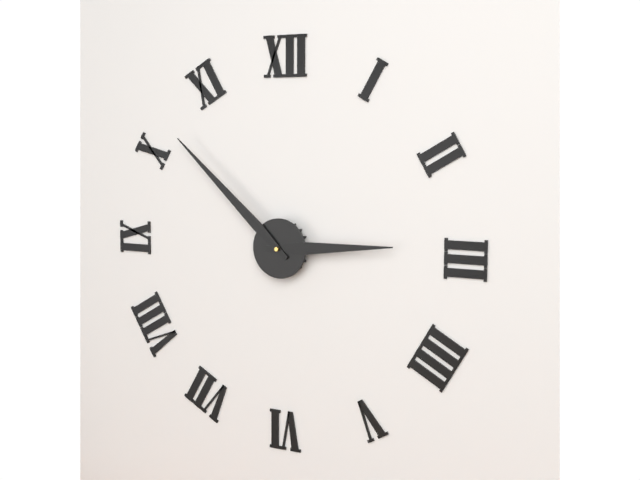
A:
**2:52**
